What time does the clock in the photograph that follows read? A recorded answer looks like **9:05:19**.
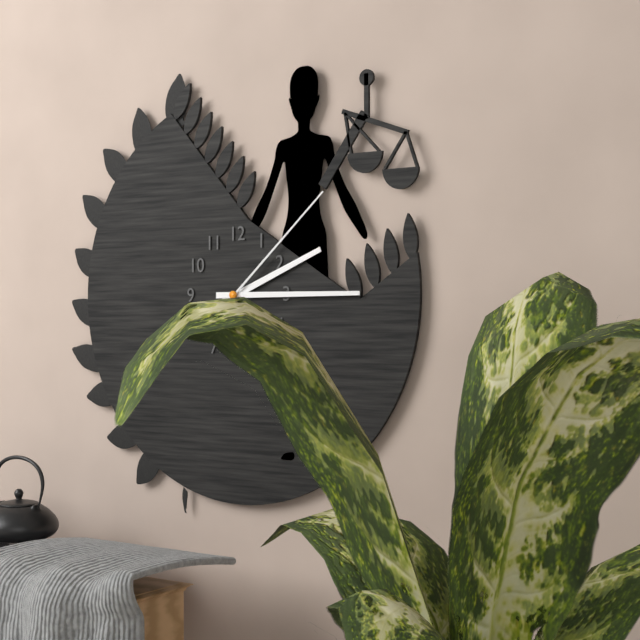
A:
**2:15:08**
